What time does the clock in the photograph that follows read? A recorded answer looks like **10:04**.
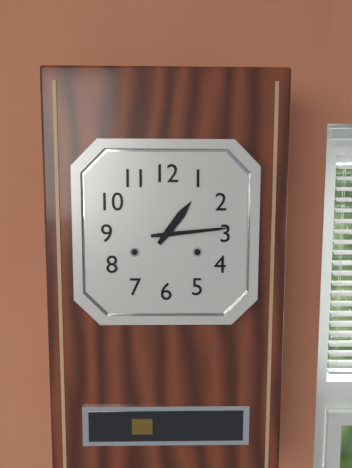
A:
**1:14**
